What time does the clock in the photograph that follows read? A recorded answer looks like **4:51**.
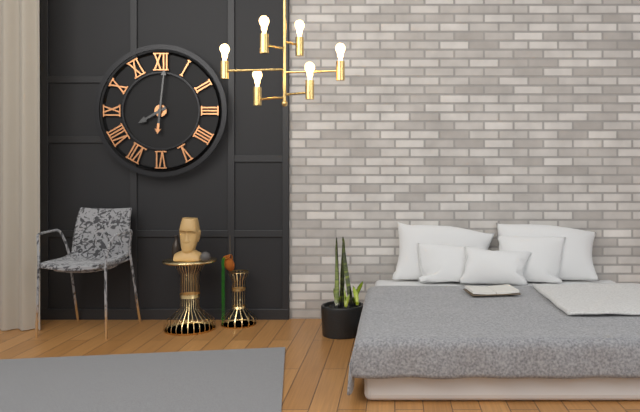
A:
**8:01**
